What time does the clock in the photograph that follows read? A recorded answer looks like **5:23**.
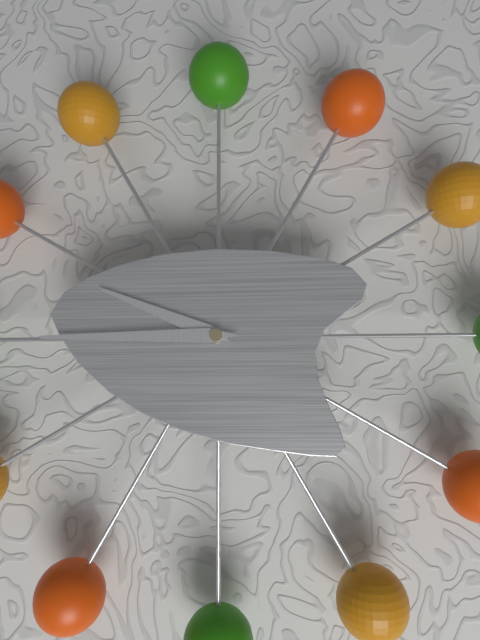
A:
**9:45**
